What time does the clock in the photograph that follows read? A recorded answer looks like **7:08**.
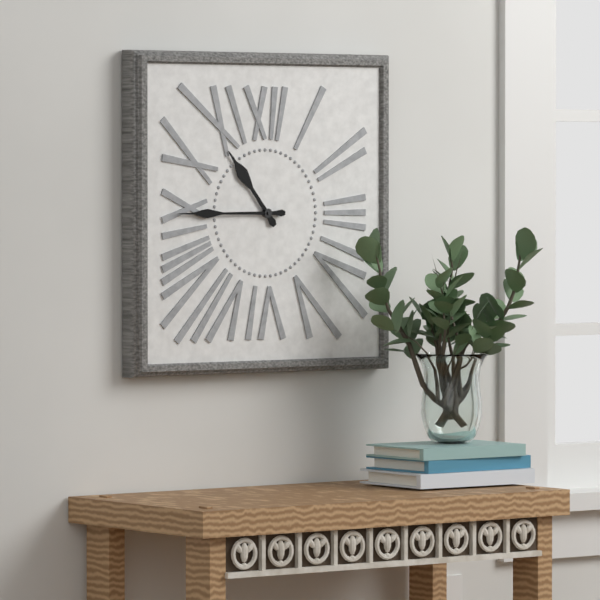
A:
**10:45**
